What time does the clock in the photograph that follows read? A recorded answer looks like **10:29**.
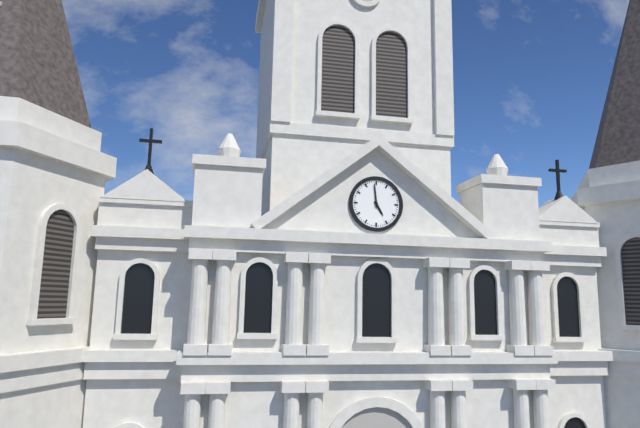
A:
**4:59**
